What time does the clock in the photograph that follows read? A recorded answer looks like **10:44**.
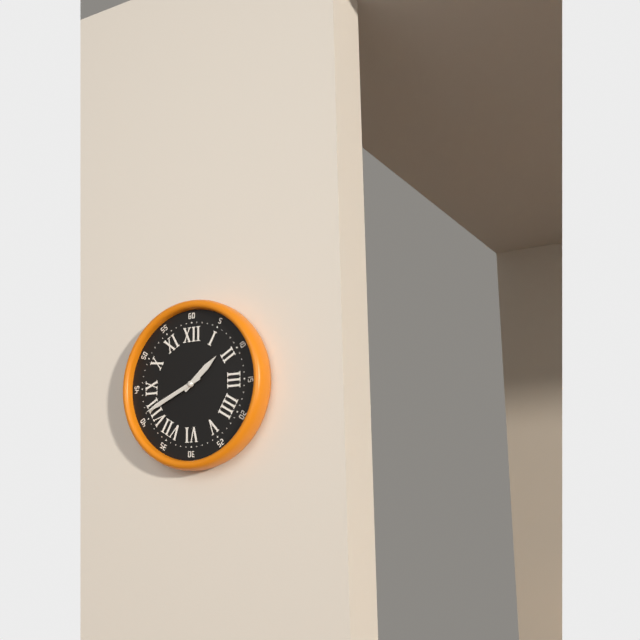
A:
**1:41**
